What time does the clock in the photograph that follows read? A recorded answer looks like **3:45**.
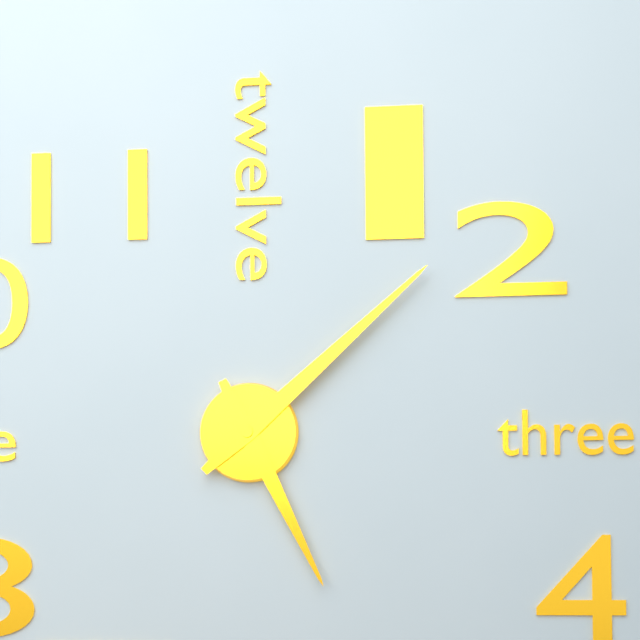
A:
**5:08**
